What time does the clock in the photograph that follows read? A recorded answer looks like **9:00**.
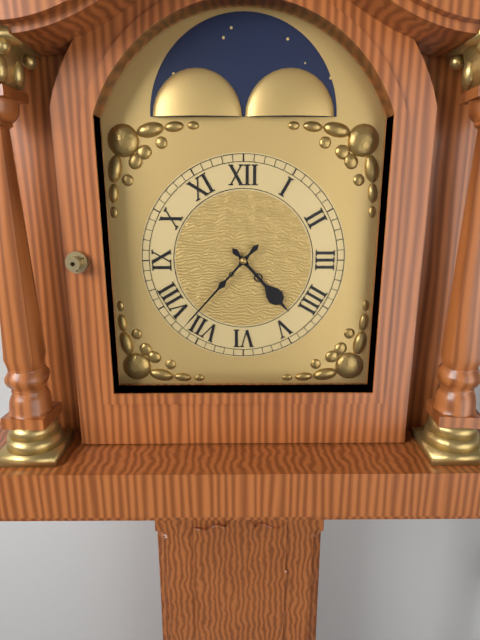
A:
**4:37**
